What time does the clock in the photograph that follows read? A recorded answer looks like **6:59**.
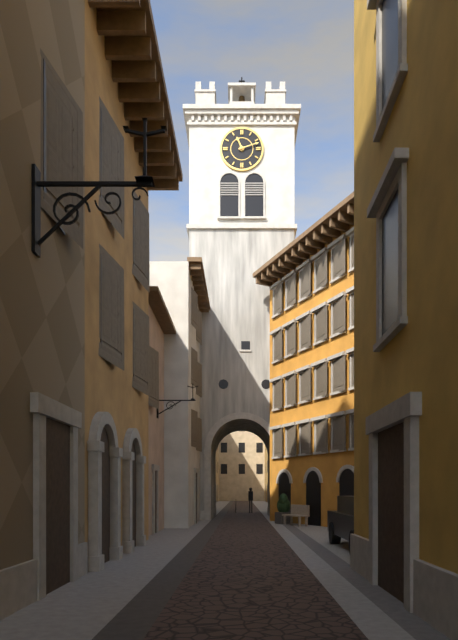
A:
**11:12**
